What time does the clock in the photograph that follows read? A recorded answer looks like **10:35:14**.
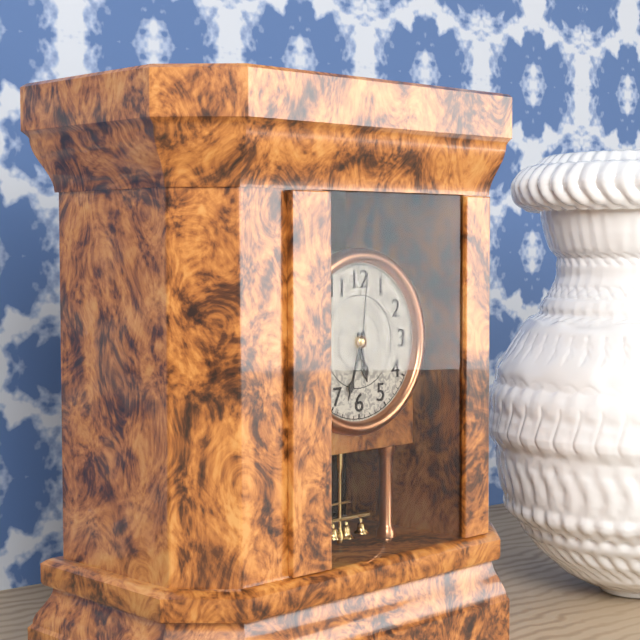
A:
**5:33:01**
